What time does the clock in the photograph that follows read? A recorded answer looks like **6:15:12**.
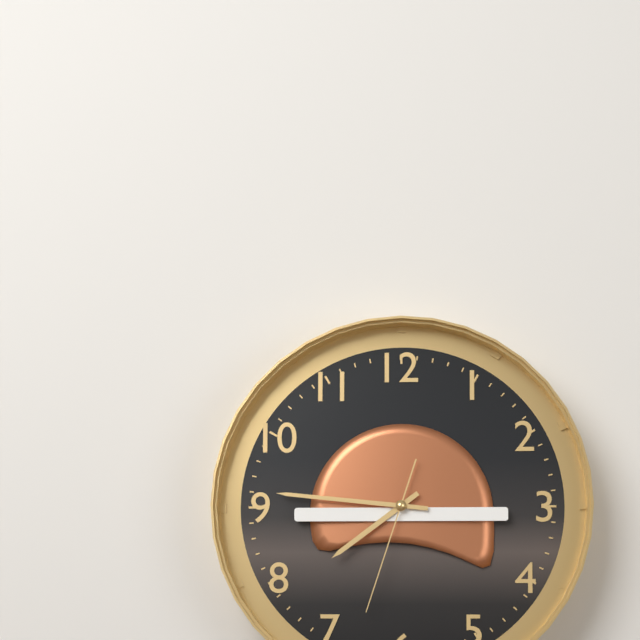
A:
**7:46:33**
